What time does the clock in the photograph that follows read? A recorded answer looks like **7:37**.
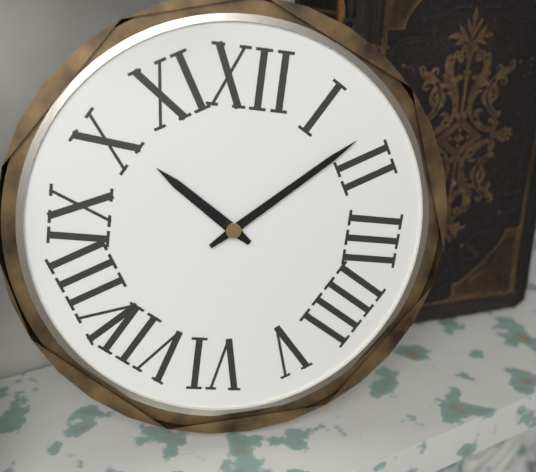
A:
**10:08**
